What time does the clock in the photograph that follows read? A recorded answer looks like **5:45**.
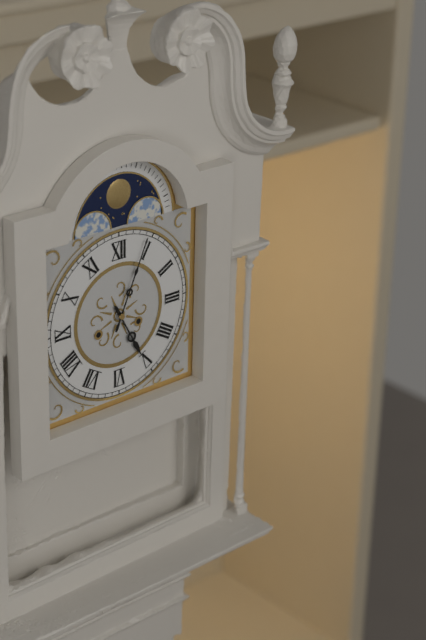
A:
**5:04**
